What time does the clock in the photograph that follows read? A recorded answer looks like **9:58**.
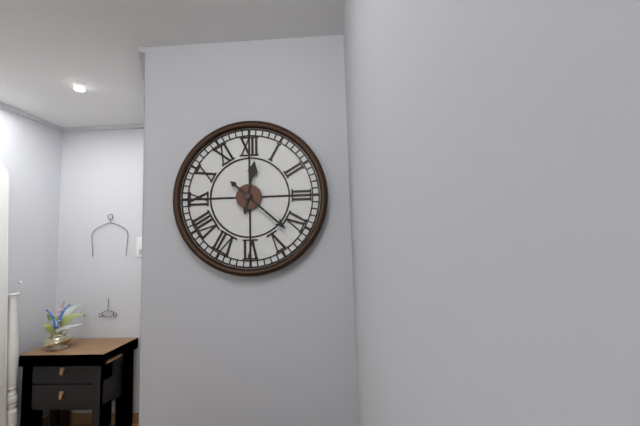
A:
**12:22**
